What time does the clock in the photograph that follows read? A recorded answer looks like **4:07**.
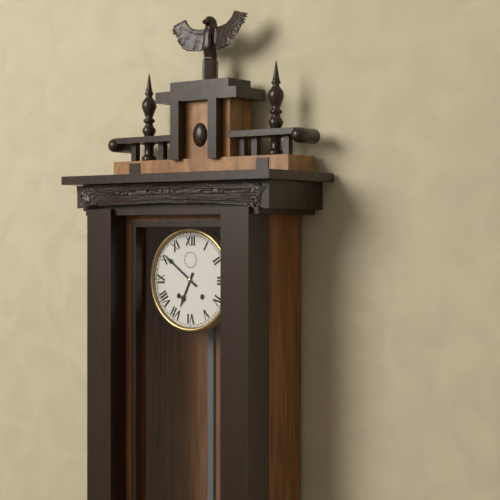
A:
**6:51**
